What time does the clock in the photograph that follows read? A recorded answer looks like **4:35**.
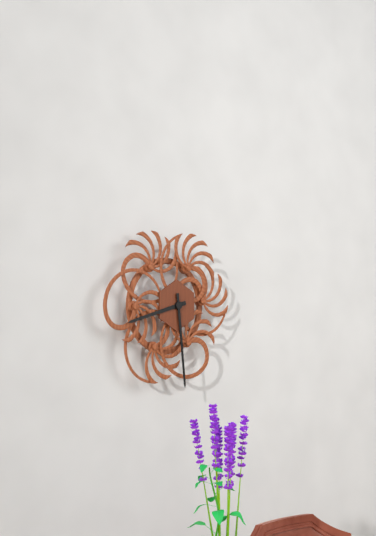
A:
**8:29**
